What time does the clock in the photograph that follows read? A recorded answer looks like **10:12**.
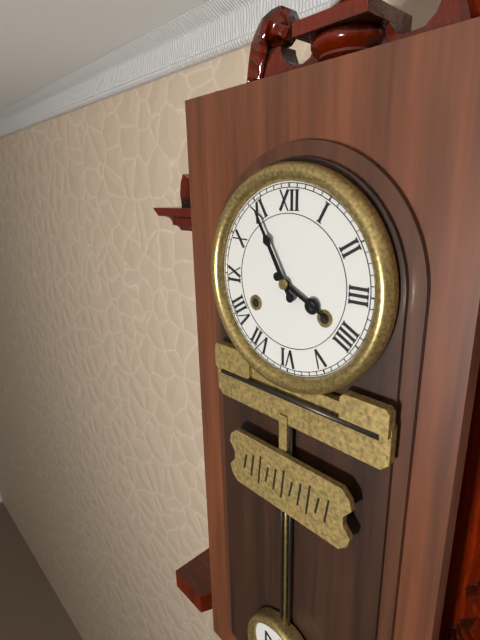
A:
**3:55**
